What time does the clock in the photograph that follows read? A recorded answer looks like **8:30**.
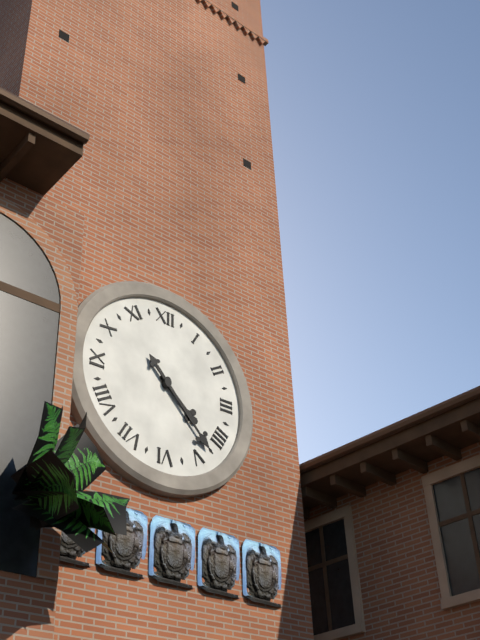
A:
**4:23**
